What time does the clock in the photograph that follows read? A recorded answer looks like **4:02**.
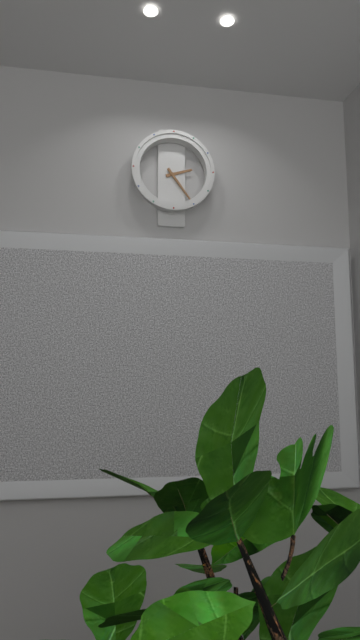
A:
**2:24**
